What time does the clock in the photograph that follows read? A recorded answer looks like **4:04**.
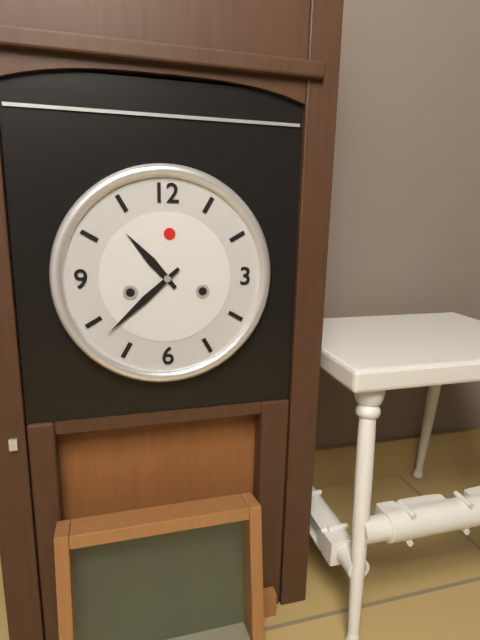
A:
**10:38**
